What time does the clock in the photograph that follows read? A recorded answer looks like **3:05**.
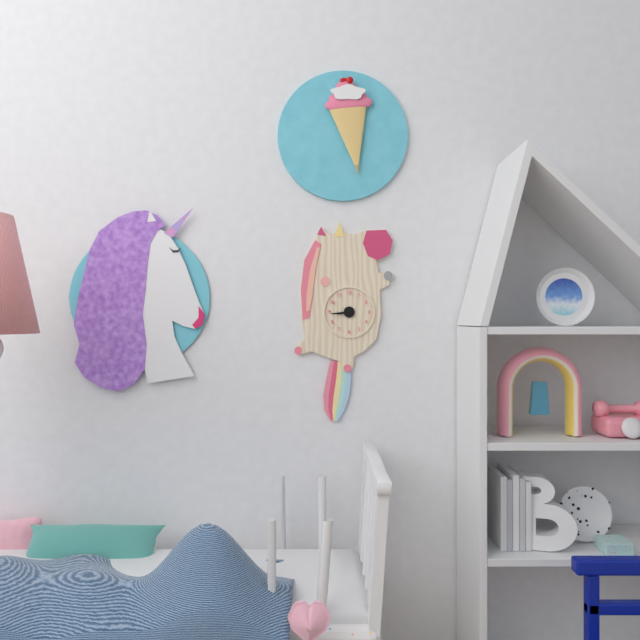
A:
**8:44**
